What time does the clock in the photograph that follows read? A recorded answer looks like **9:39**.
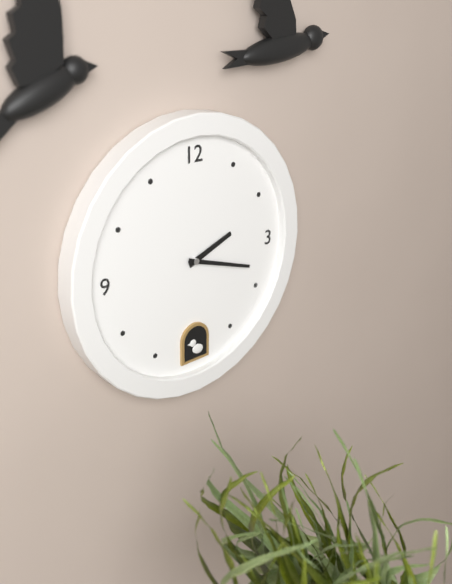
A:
**2:18**
